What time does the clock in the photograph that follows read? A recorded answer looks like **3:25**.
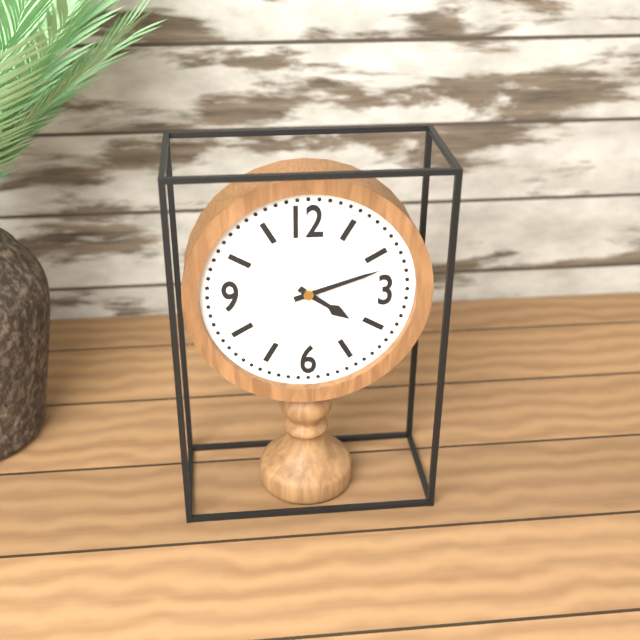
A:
**4:12**
